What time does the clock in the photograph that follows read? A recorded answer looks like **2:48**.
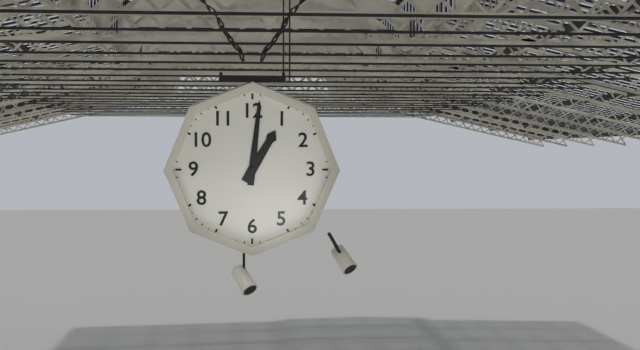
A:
**1:01**
